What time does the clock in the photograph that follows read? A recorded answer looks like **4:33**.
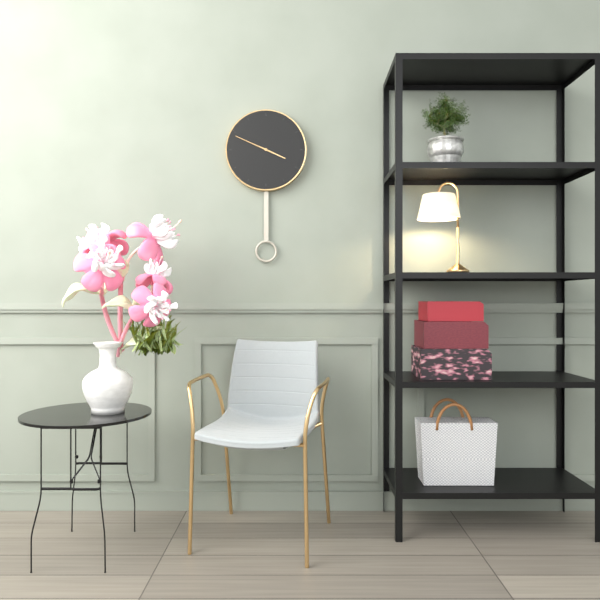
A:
**3:49**
